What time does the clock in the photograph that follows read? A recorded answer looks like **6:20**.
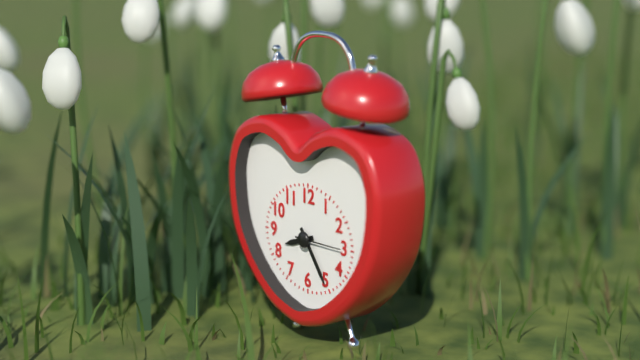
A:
**8:24**
